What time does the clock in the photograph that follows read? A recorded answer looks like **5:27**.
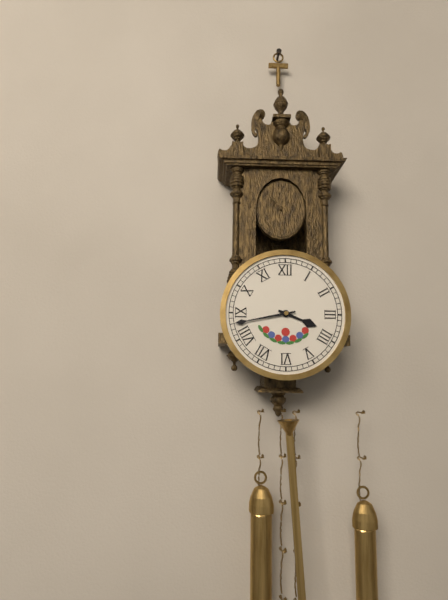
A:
**3:43**
